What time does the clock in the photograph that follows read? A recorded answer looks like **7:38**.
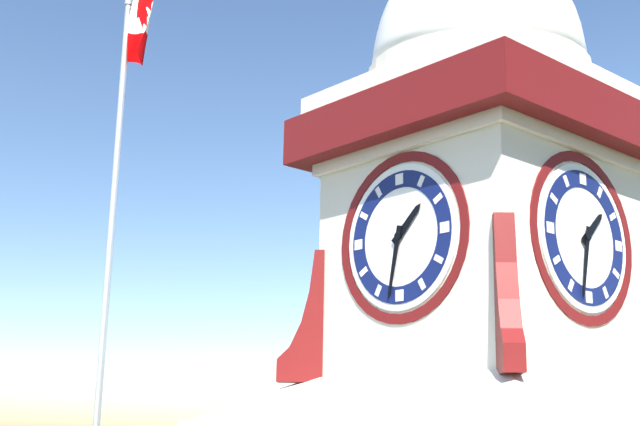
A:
**1:32**
